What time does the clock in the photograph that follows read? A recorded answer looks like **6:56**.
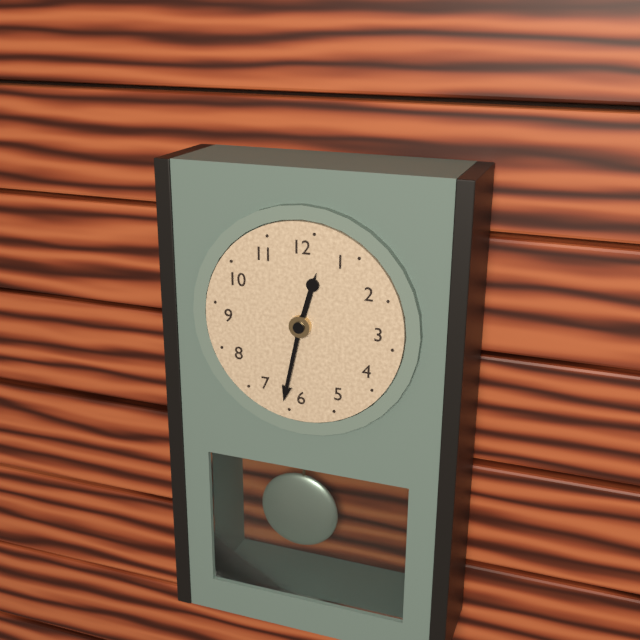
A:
**12:32**
